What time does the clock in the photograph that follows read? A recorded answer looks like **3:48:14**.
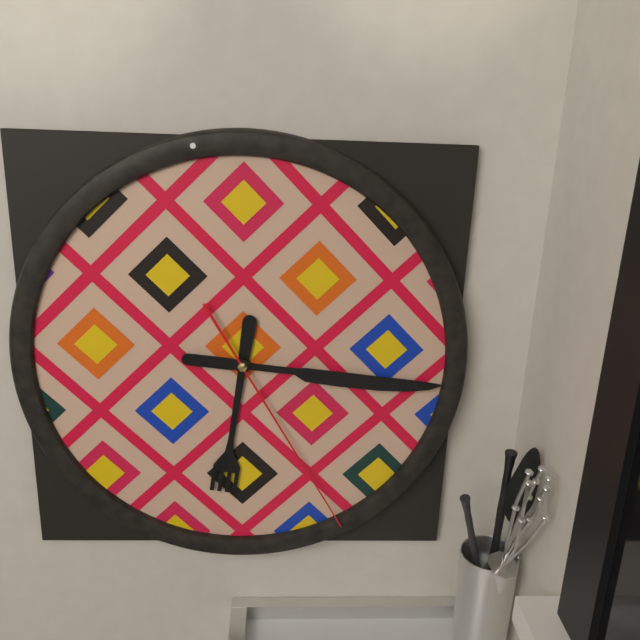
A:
**6:16:25**
